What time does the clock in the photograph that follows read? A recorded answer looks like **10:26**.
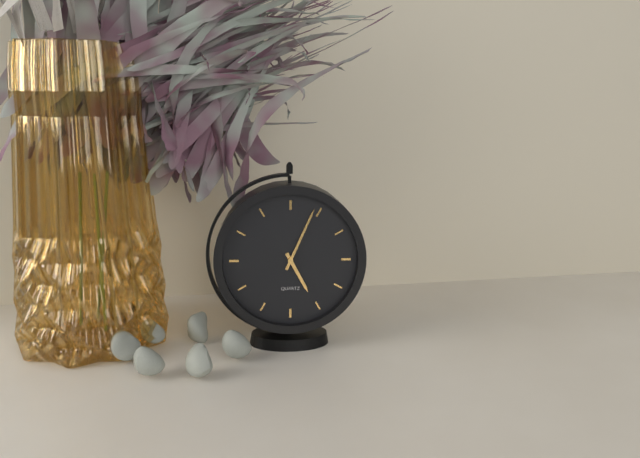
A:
**5:04**
